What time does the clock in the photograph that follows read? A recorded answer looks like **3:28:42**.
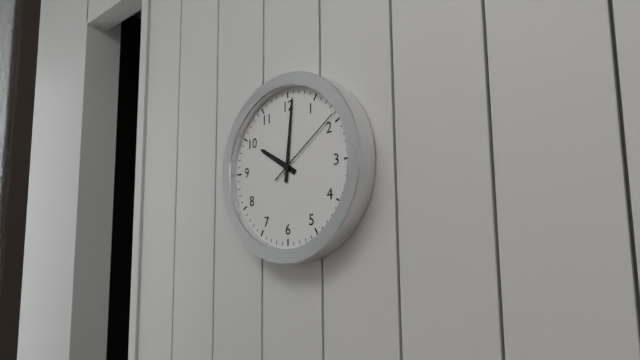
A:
**10:01:09**
